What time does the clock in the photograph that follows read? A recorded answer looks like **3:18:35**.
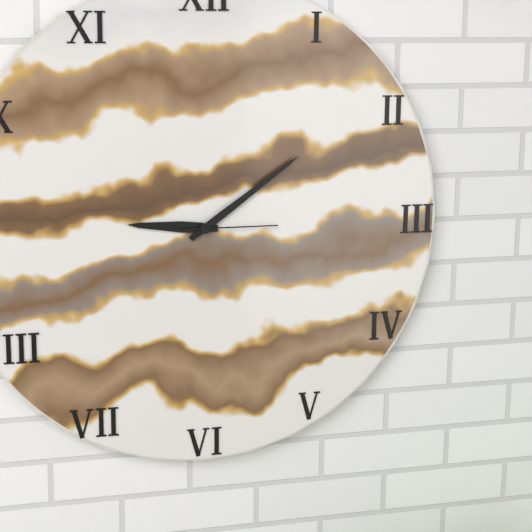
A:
**9:09:15**
